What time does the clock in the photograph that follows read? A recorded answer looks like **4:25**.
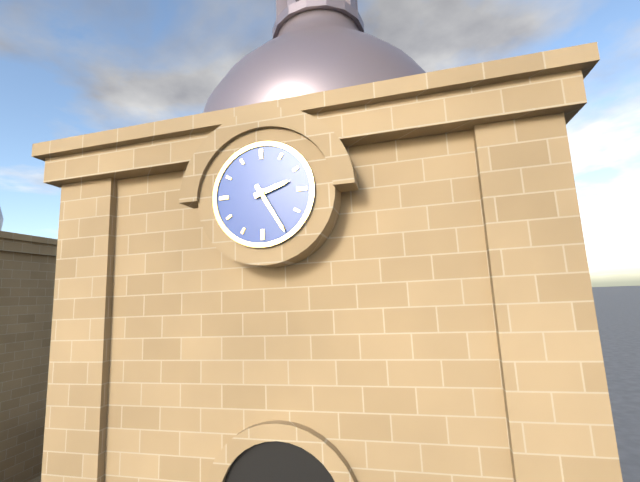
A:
**2:25**
